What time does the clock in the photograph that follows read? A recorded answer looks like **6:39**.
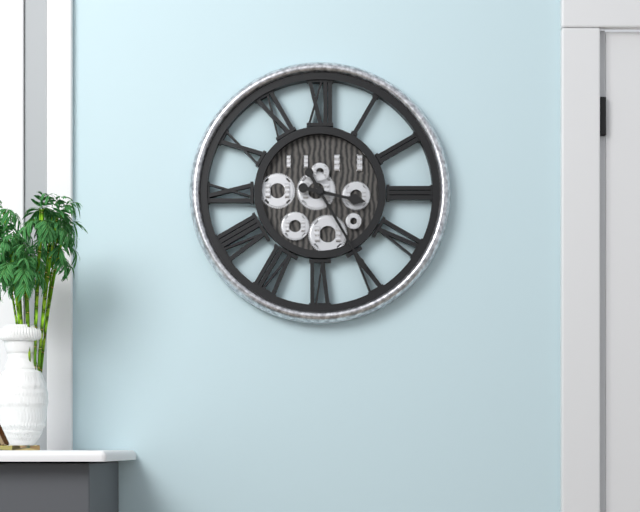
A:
**3:25**
